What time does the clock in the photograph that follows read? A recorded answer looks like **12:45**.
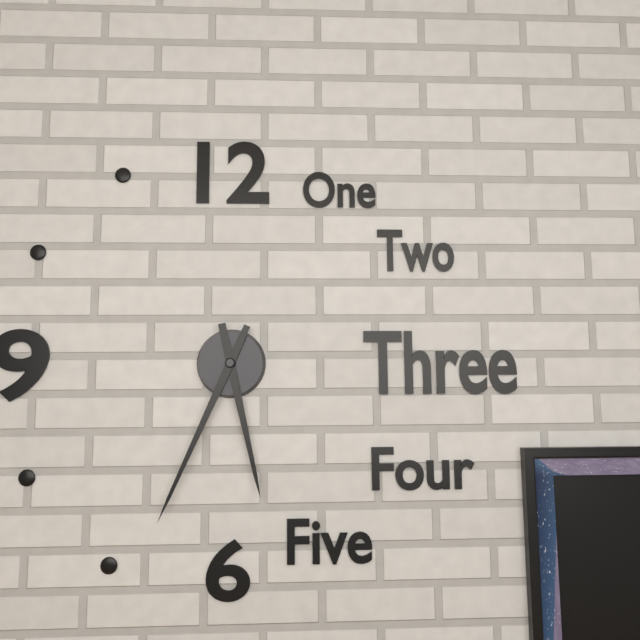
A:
**5:34**
